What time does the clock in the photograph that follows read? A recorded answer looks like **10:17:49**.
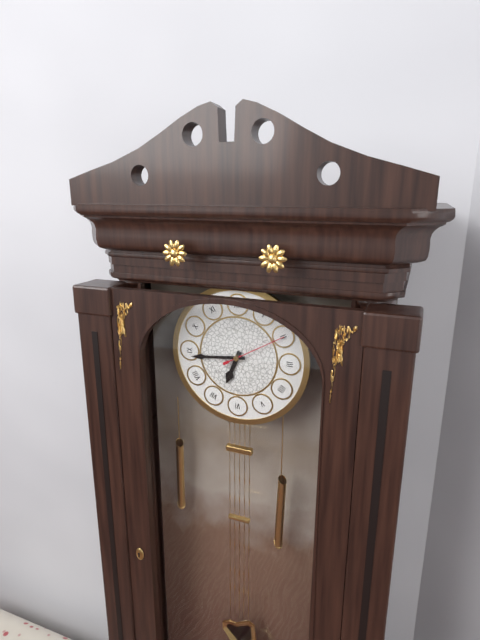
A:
**6:44:10**
